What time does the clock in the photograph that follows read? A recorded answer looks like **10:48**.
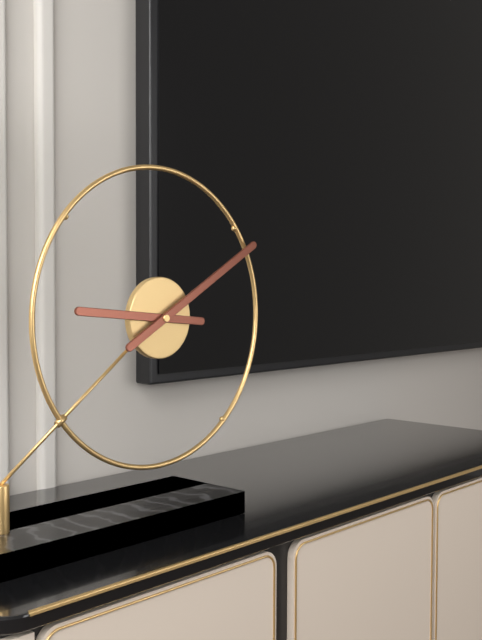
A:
**9:10**
